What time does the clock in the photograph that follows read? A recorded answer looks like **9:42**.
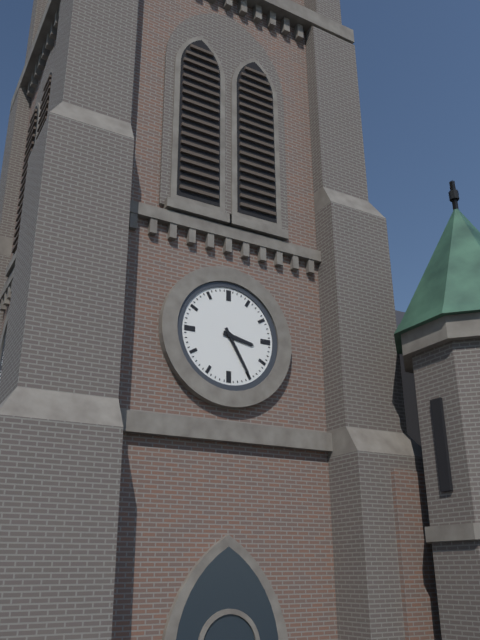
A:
**3:25**
